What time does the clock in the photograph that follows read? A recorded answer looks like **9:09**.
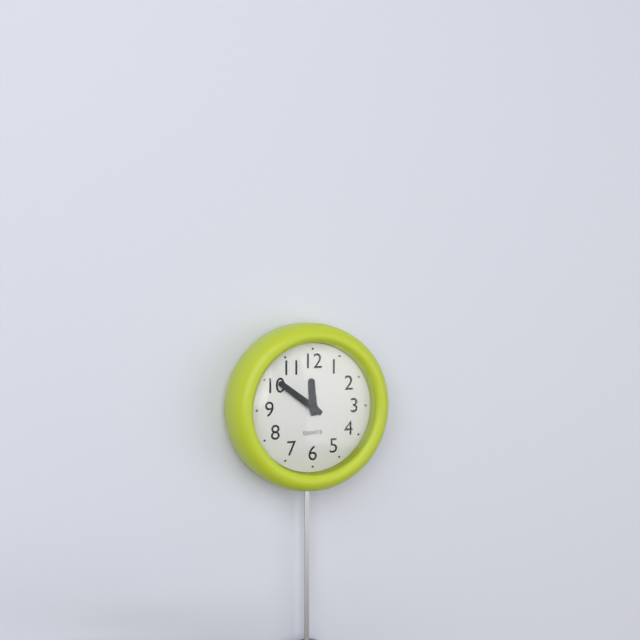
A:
**11:51**
